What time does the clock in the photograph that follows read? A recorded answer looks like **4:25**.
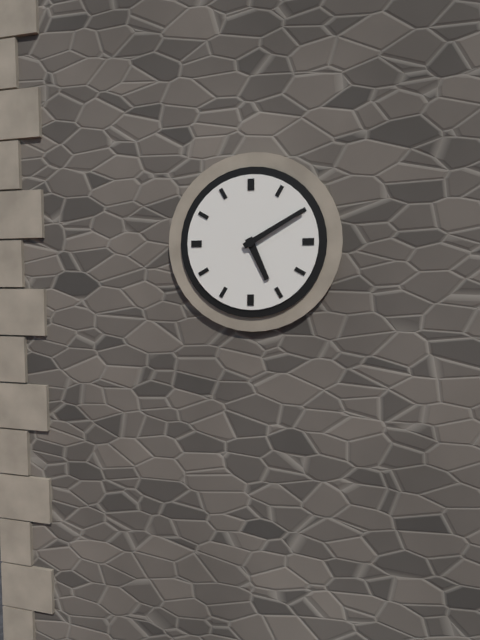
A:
**5:10**
